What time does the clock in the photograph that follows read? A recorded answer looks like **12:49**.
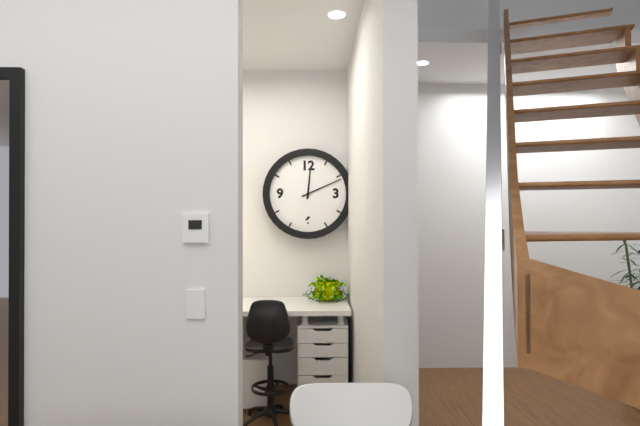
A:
**12:11**
